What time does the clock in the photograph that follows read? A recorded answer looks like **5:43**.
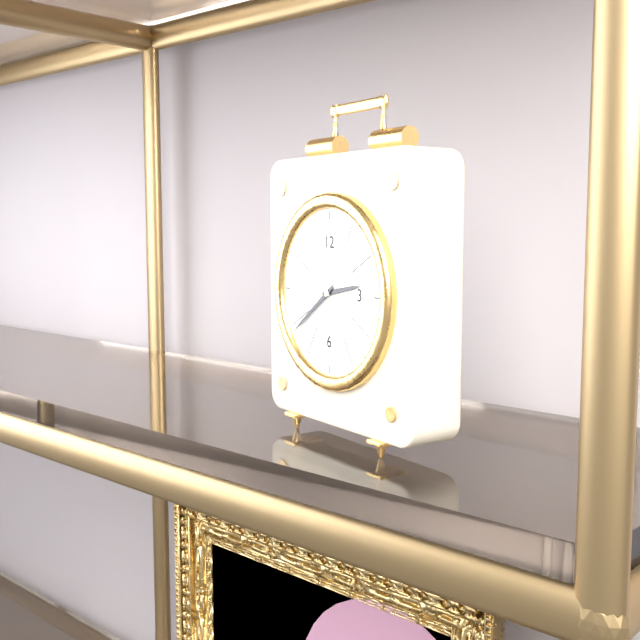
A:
**2:39**
